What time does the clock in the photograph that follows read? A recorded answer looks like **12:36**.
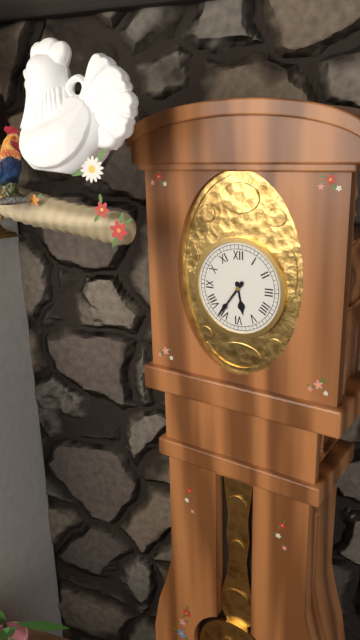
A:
**5:36**
